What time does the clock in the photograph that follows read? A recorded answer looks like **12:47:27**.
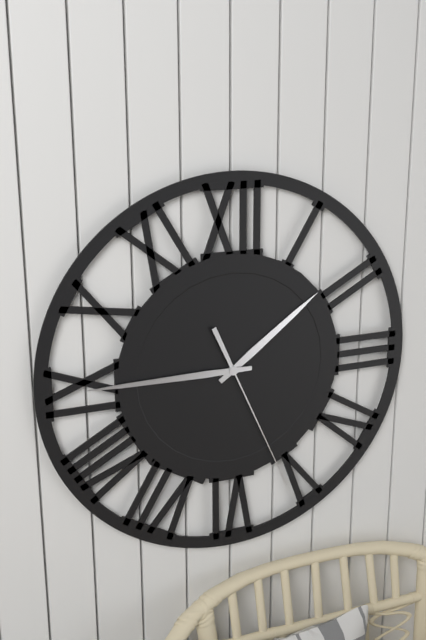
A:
**1:45:26**
